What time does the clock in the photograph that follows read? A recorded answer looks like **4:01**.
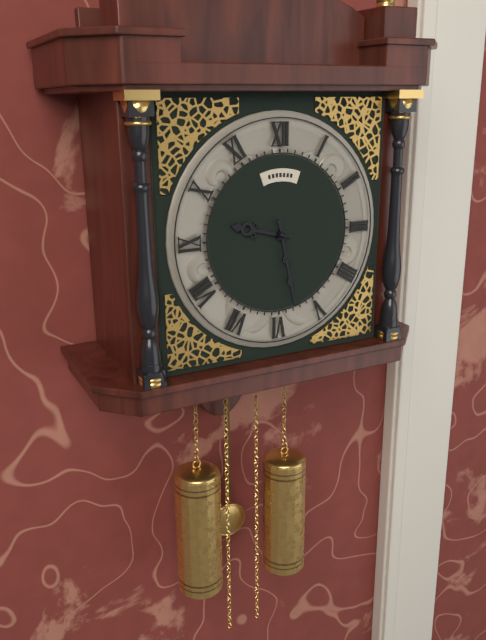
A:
**9:28**
